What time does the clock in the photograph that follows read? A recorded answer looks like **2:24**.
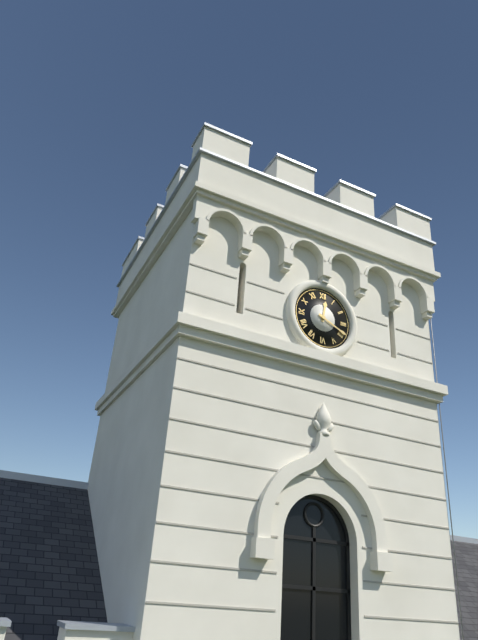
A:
**12:19**
